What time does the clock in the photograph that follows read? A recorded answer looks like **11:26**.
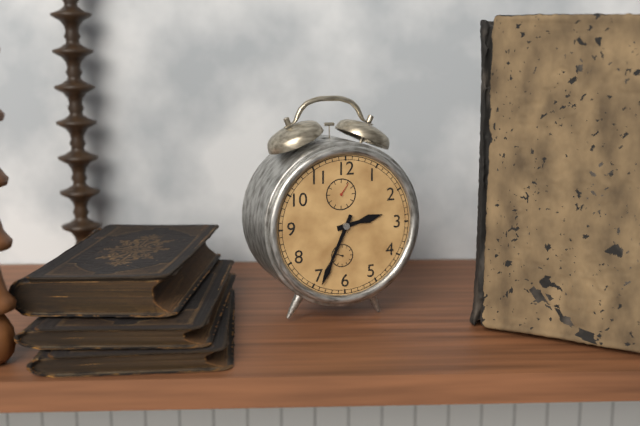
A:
**2:34**
